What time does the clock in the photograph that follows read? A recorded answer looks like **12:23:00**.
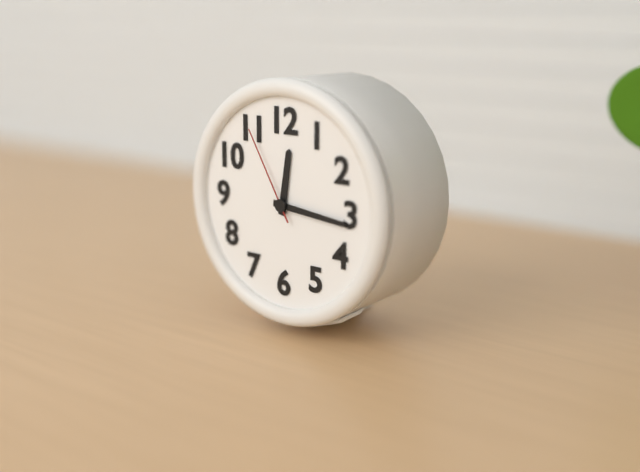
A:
**12:16:55**
